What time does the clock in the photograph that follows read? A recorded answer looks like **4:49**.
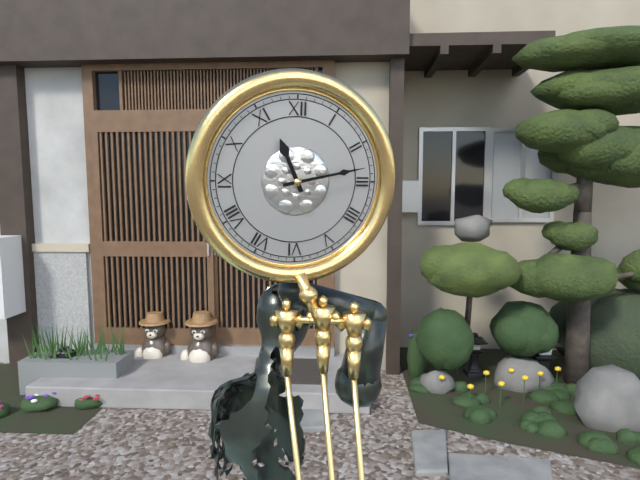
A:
**11:13**
